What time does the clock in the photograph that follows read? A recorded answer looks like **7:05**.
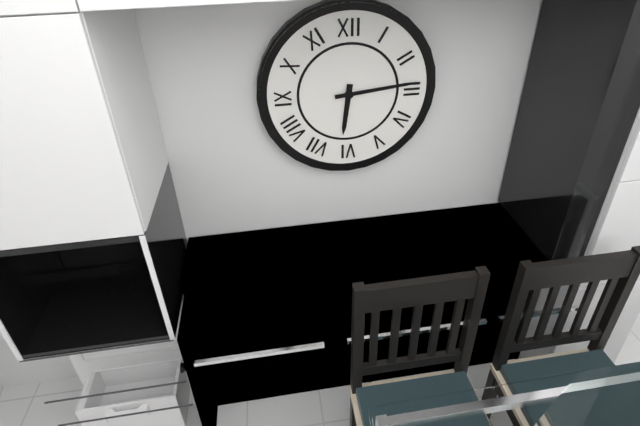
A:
**6:14**
